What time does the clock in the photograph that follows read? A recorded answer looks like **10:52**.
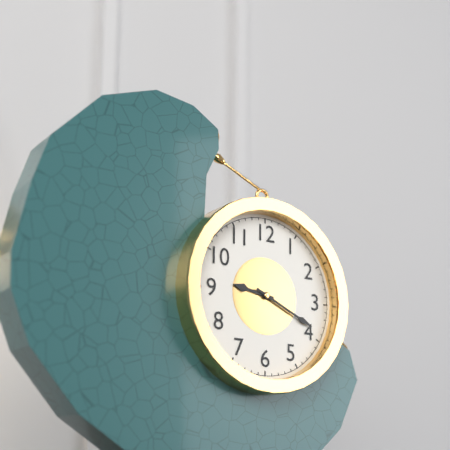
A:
**9:19**
